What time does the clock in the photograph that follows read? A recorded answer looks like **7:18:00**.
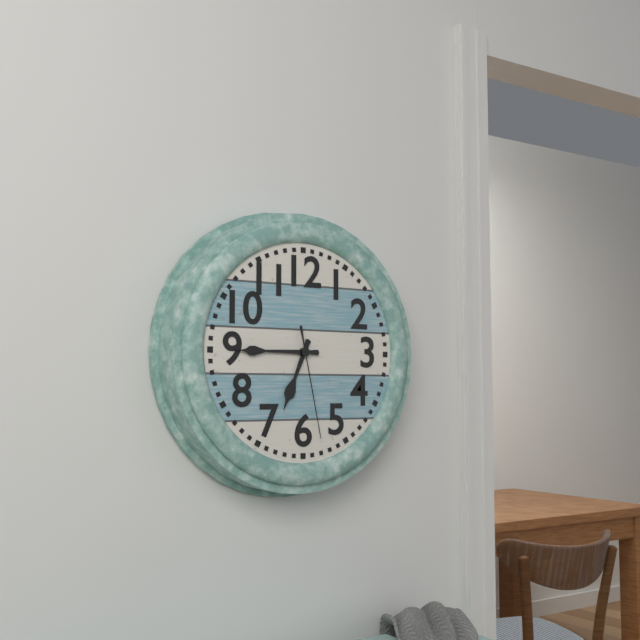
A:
**6:45:28**
